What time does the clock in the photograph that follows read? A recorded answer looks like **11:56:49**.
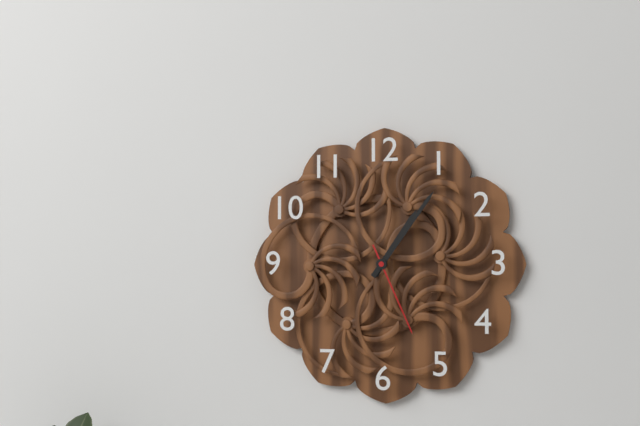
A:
**1:06:26**
